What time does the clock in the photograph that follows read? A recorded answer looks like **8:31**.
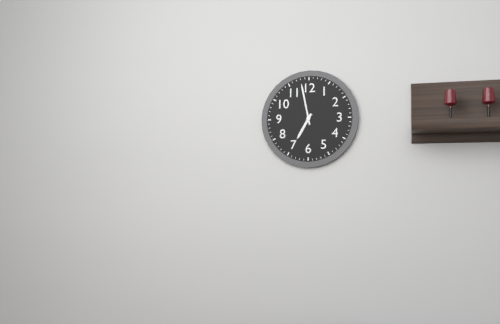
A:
**6:58**
